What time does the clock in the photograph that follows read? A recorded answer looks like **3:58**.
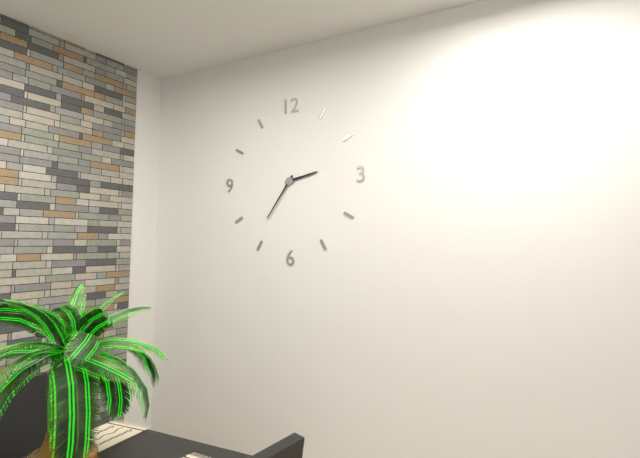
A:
**2:36**
